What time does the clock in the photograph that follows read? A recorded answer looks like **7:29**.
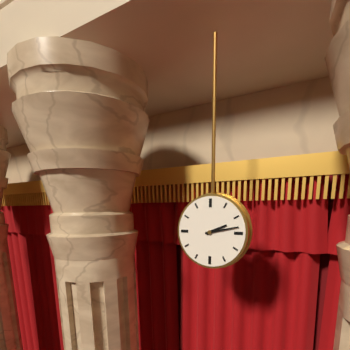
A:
**2:13**
